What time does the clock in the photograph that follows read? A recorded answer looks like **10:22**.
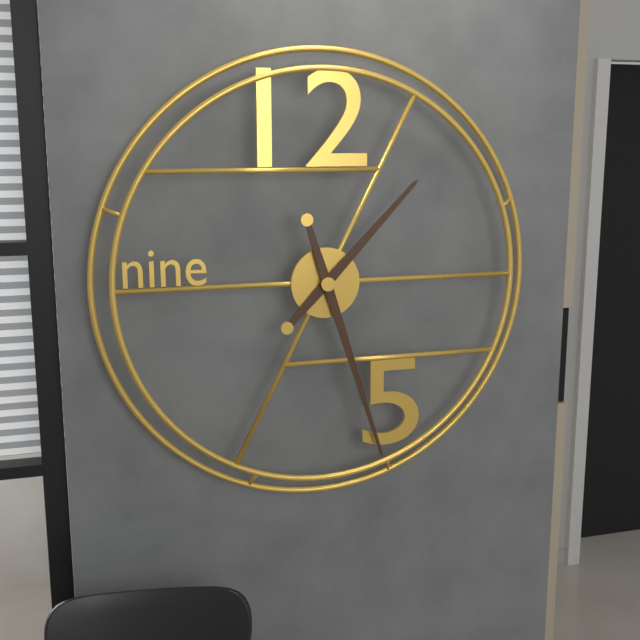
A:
**1:27**
